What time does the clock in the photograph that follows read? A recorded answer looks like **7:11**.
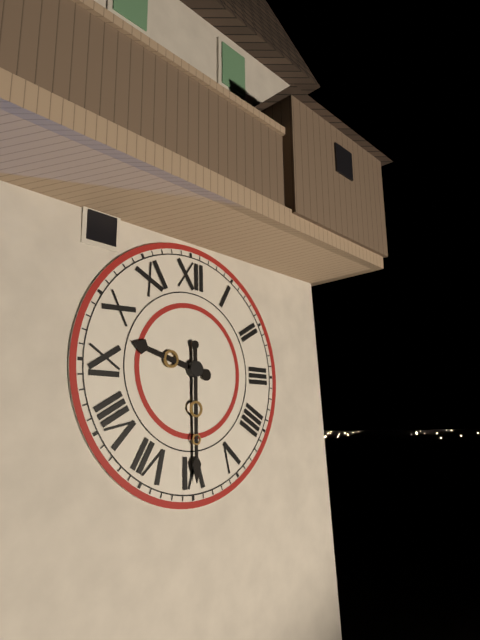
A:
**9:30**
